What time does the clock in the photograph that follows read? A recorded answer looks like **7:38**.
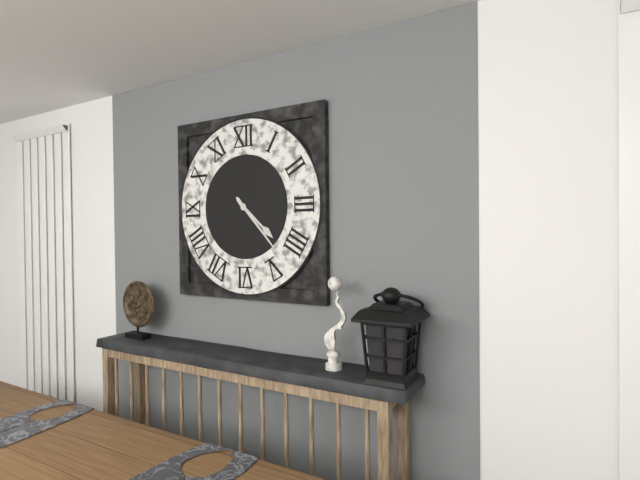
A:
**4:23**
